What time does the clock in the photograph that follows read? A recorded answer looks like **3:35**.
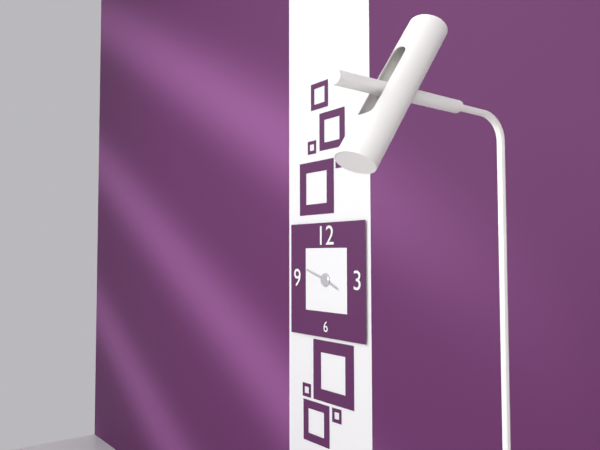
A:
**3:48**
